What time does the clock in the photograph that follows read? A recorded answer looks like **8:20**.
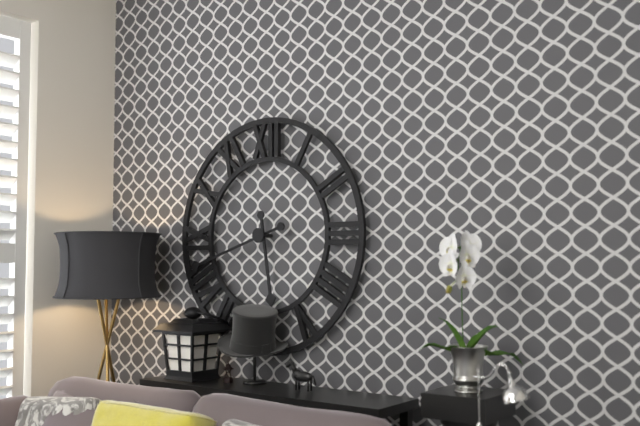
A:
**5:42**
